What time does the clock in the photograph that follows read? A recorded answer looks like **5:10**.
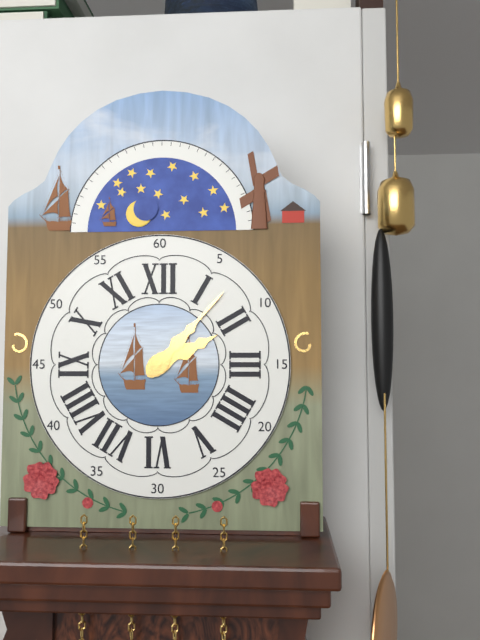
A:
**2:07**
